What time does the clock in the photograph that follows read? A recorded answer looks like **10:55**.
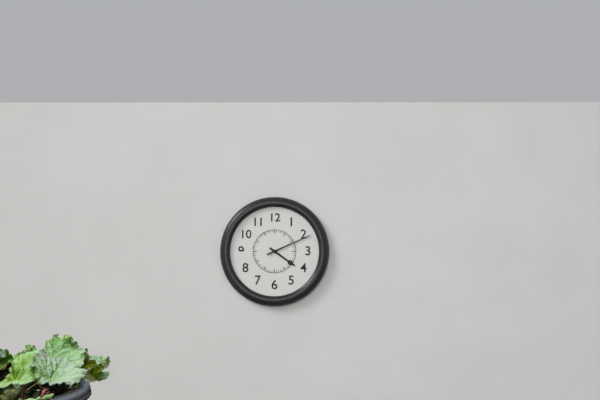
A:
**4:11**
